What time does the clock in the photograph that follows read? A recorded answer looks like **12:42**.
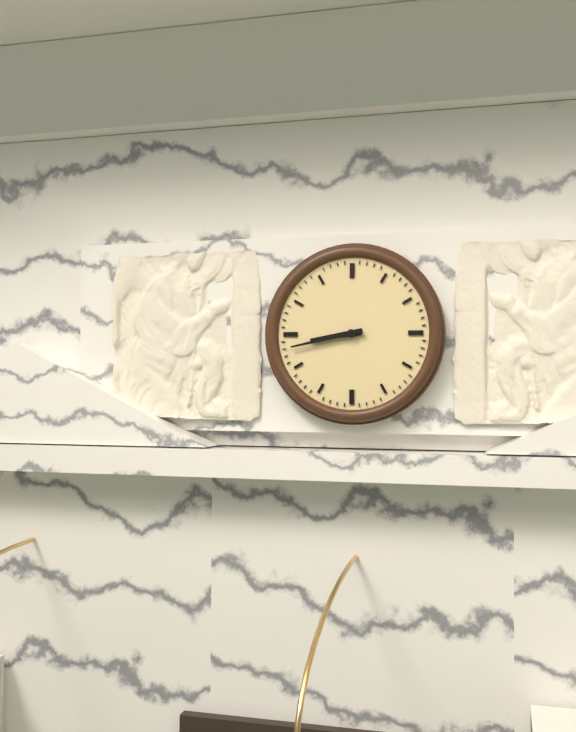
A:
**8:43**
